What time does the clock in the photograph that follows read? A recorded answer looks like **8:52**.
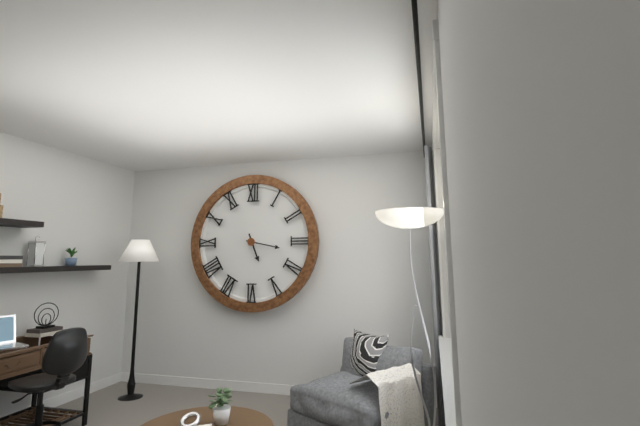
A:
**5:17**
